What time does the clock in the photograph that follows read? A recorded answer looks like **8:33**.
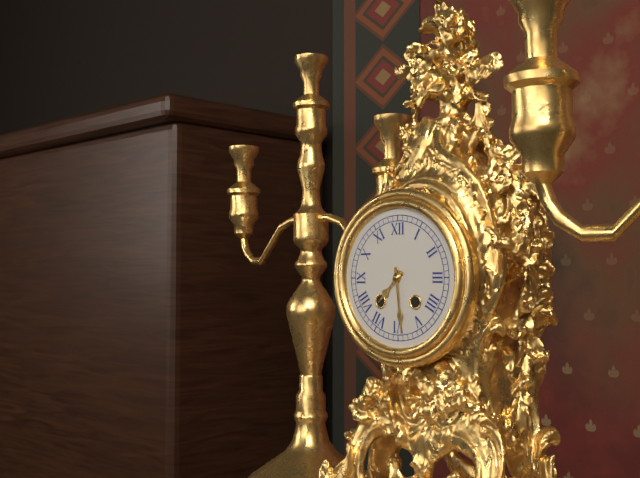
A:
**7:29**
